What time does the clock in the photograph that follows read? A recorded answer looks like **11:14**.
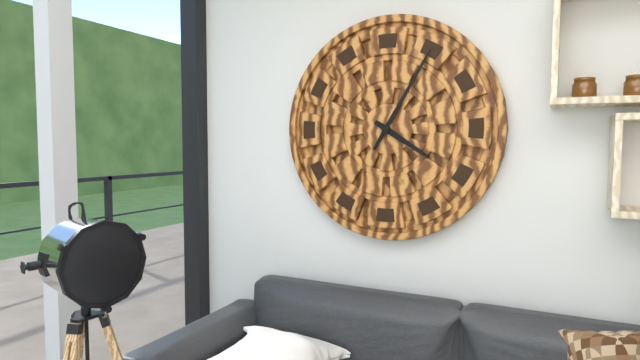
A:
**4:05**
